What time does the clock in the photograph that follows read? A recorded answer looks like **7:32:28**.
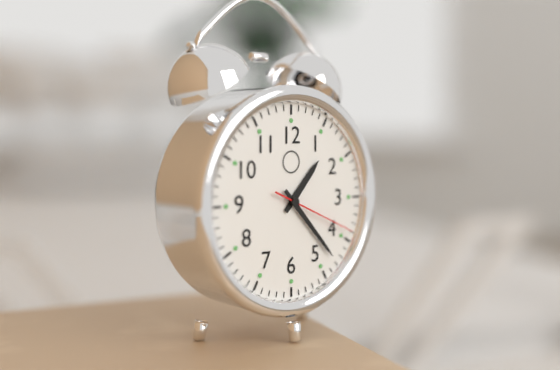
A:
**1:23:19**
